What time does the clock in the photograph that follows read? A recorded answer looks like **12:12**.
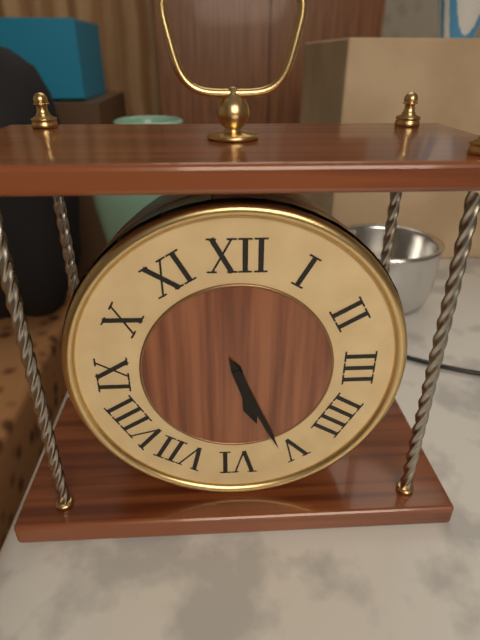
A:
**5:26**
